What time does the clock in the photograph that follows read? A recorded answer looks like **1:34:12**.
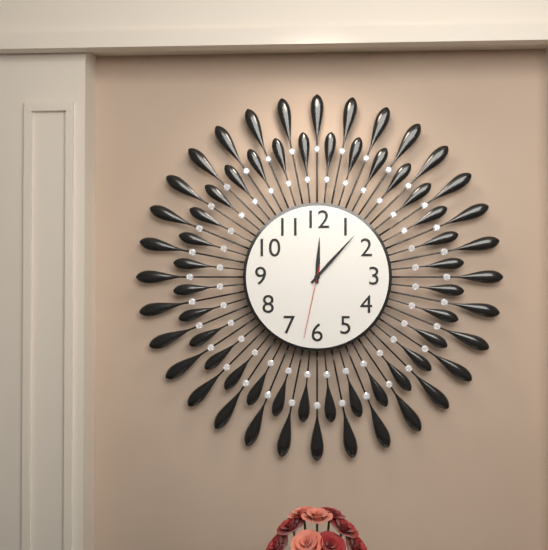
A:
**12:07:32**
